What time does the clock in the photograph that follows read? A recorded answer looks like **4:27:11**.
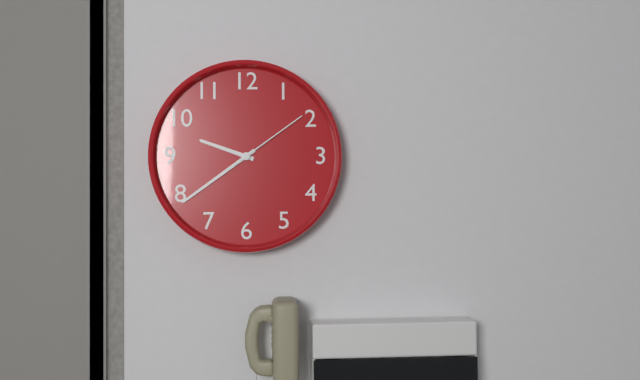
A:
**9:39:09**
